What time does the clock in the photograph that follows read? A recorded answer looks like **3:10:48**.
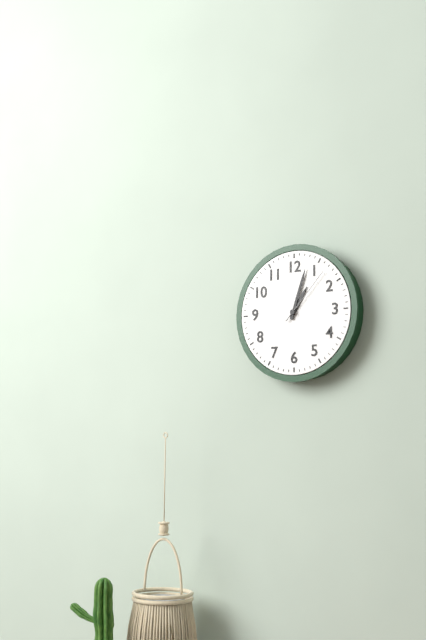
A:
**1:03:07**
